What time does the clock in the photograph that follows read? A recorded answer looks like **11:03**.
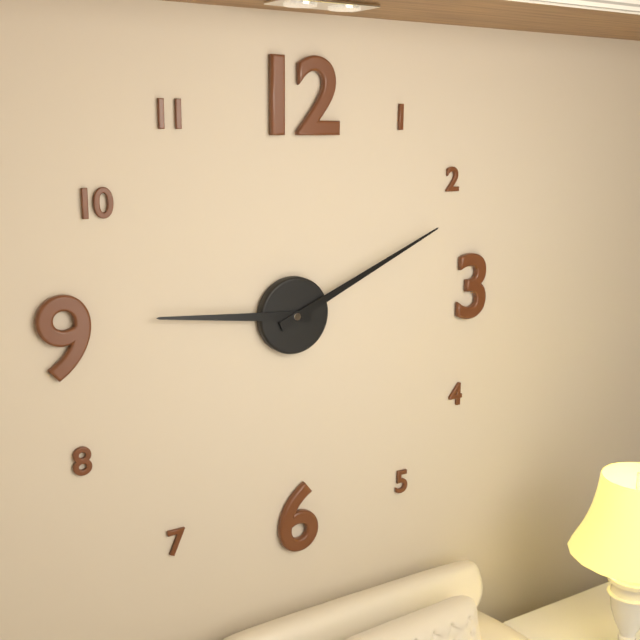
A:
**9:11**
